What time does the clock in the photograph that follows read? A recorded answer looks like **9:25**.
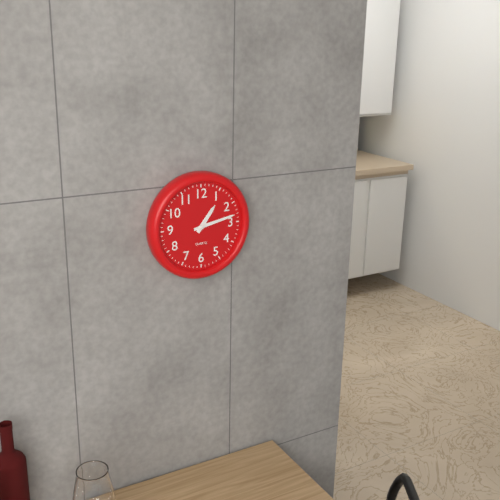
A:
**1:13**
